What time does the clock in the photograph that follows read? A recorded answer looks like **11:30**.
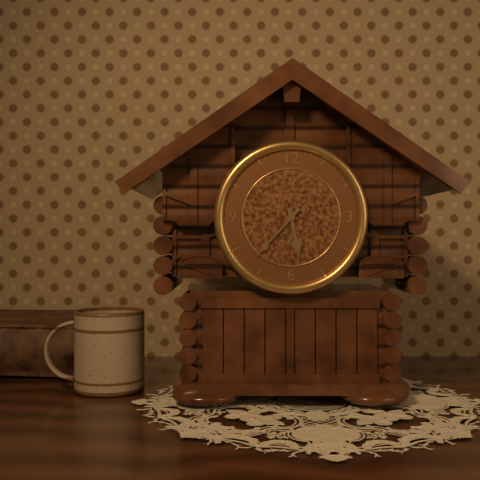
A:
**5:37**
